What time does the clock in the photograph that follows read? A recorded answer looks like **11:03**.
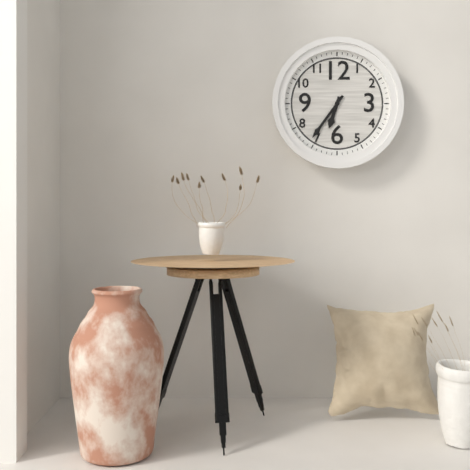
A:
**6:36**
